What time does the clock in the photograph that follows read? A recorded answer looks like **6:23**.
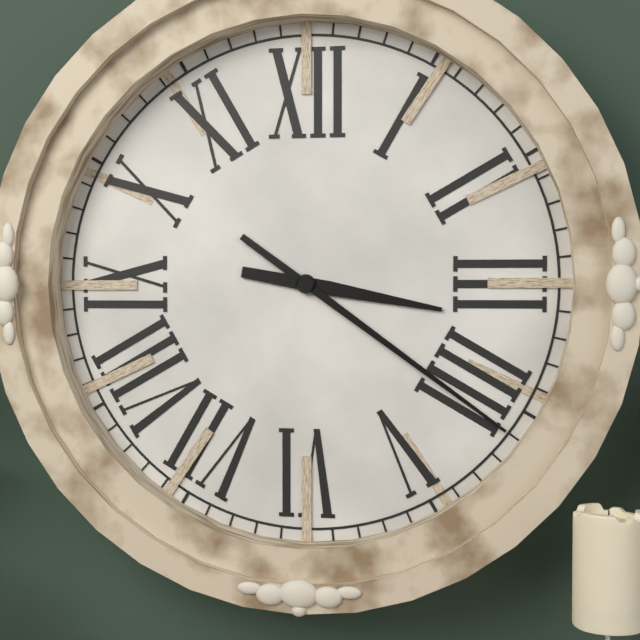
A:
**3:21**
